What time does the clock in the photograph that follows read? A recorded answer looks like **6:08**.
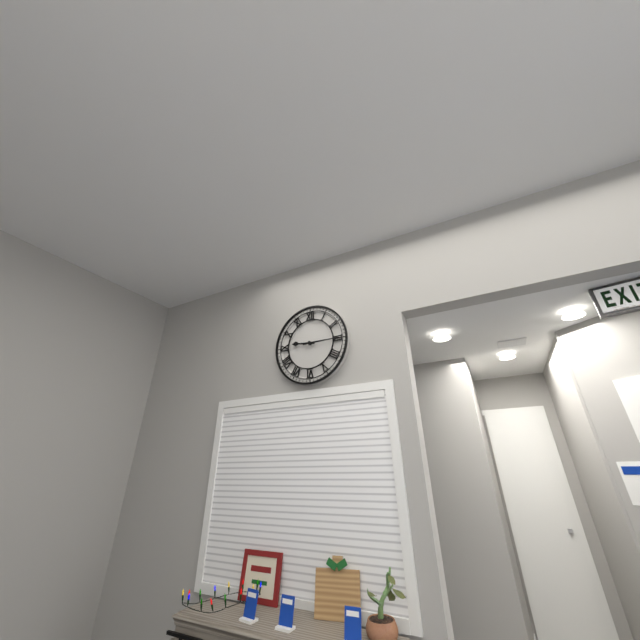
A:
**9:15**
